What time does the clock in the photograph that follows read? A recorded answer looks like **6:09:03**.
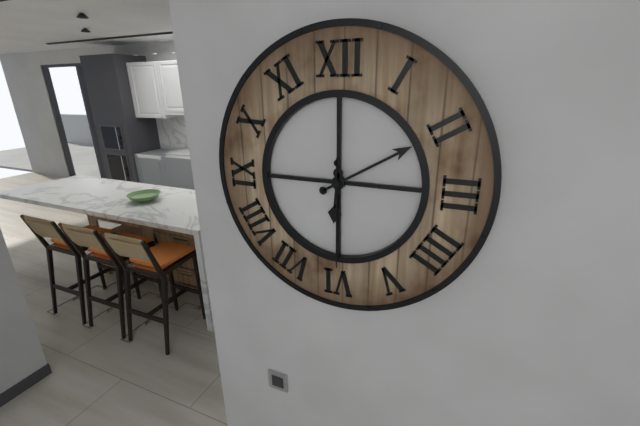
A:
**6:10:30**
